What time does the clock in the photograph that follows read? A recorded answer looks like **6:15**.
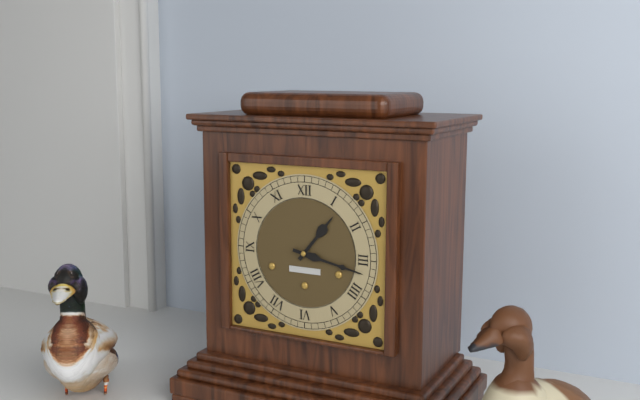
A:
**1:17**
